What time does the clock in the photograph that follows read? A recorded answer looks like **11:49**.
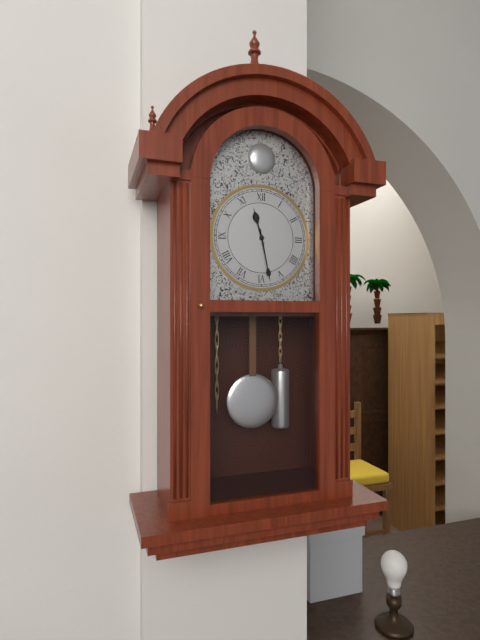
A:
**11:28**
